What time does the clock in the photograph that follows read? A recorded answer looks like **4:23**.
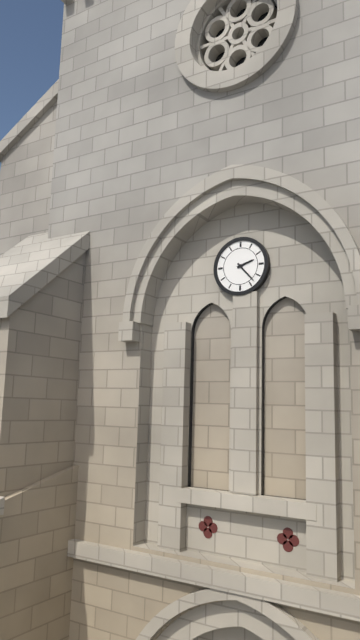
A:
**2:23**
